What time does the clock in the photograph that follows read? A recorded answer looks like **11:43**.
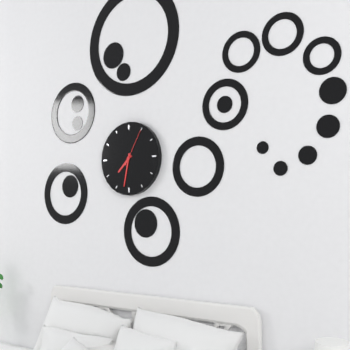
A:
**7:32**
